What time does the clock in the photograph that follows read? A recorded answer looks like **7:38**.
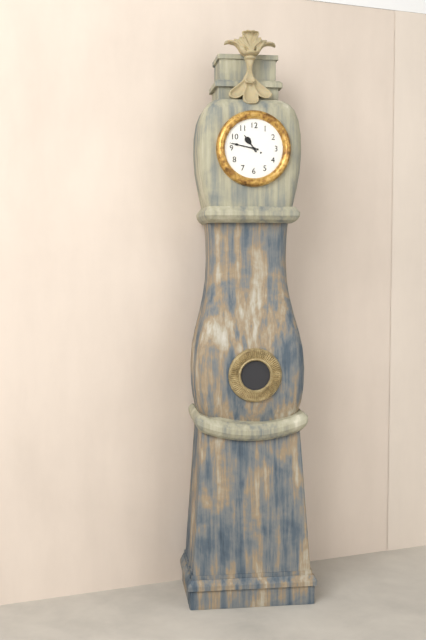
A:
**10:47**
